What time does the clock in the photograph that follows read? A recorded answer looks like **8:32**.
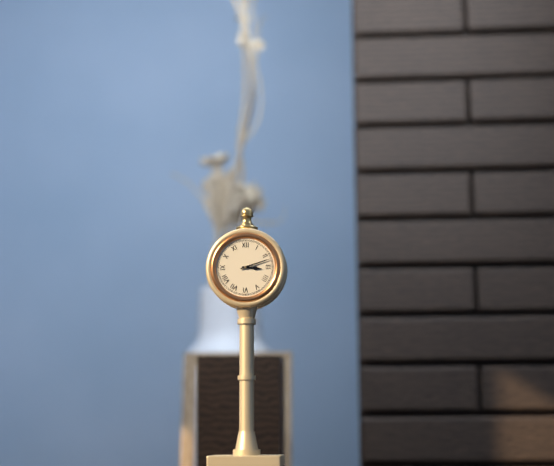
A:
**3:12**
